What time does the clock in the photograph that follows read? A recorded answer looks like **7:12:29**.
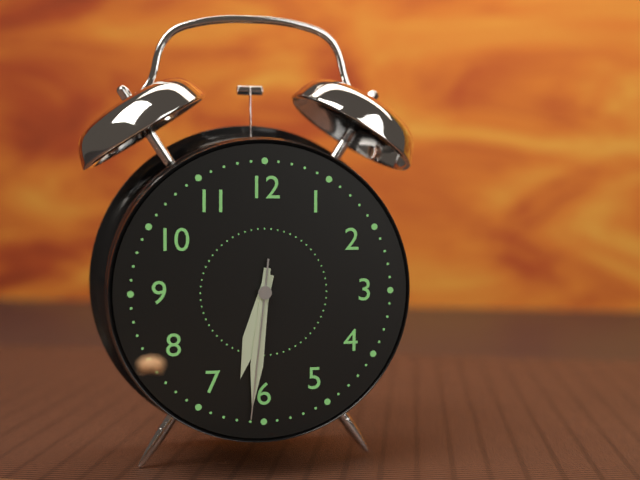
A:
**6:31:31**
